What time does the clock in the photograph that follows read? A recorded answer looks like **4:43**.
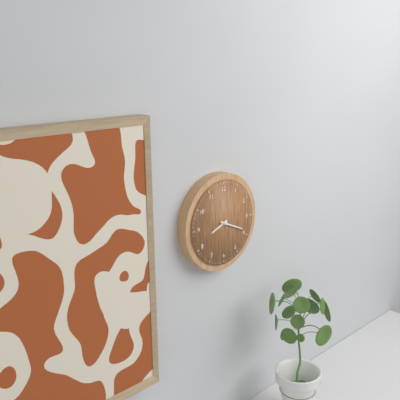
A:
**8:19**
